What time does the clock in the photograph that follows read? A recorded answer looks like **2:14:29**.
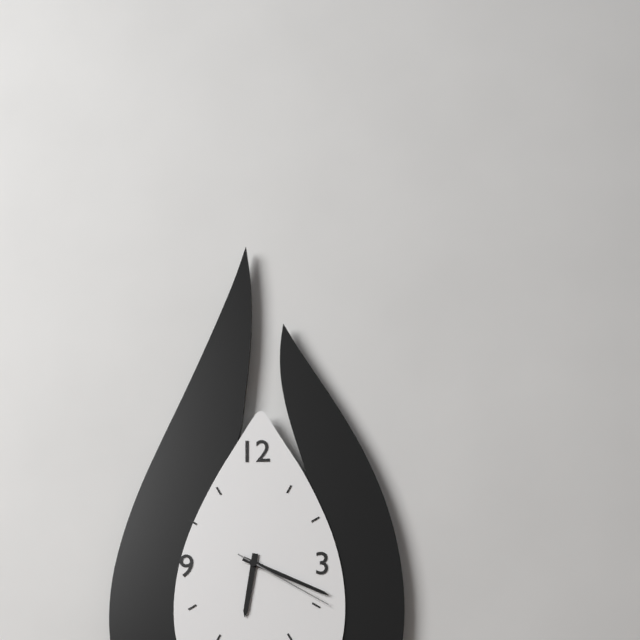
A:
**6:19:20**
